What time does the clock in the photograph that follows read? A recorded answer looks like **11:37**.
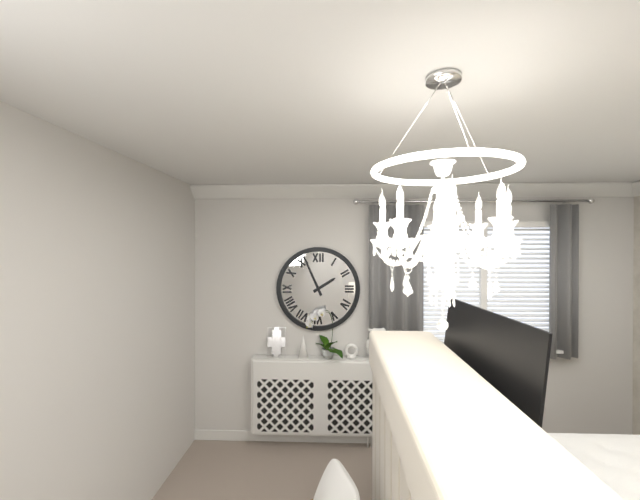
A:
**1:56**
